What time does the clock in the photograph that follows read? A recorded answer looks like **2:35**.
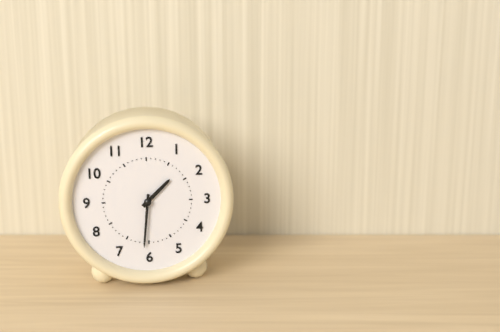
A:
**1:31**
